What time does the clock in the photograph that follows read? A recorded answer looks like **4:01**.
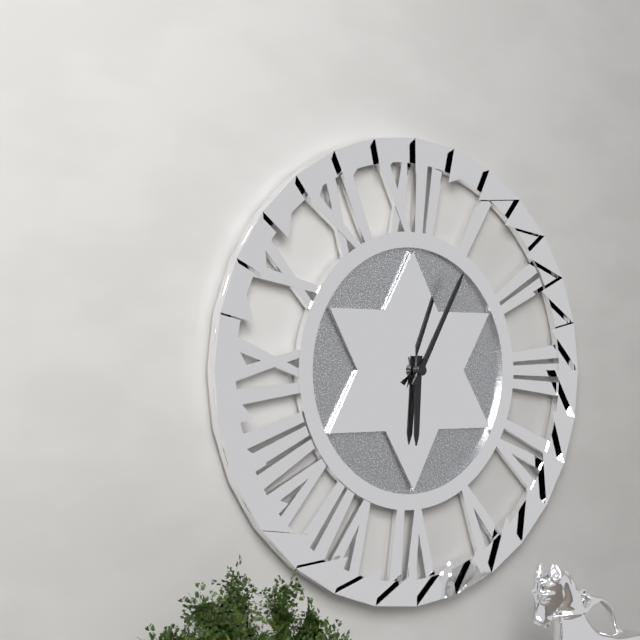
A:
**6:05**
